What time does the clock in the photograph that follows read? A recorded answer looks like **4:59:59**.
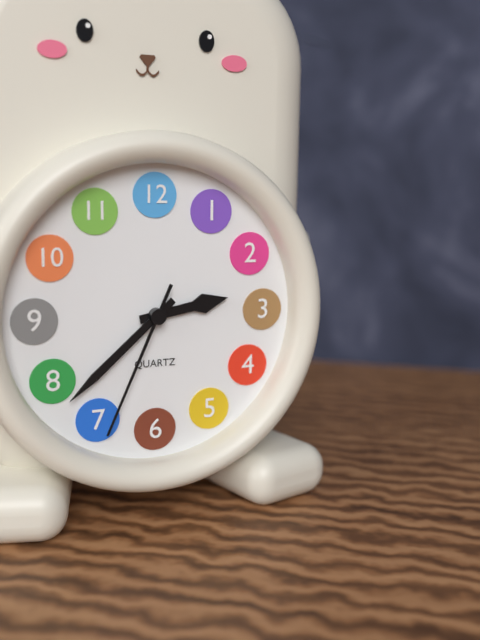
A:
**2:38:34**
